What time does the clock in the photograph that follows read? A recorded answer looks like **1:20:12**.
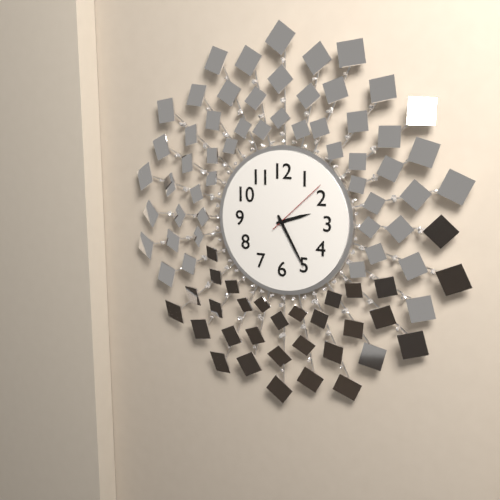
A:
**2:25:08**
